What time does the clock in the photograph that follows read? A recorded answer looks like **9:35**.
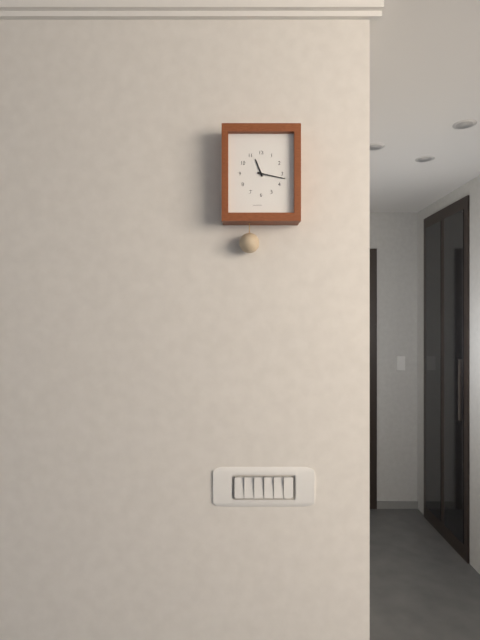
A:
**11:17**
